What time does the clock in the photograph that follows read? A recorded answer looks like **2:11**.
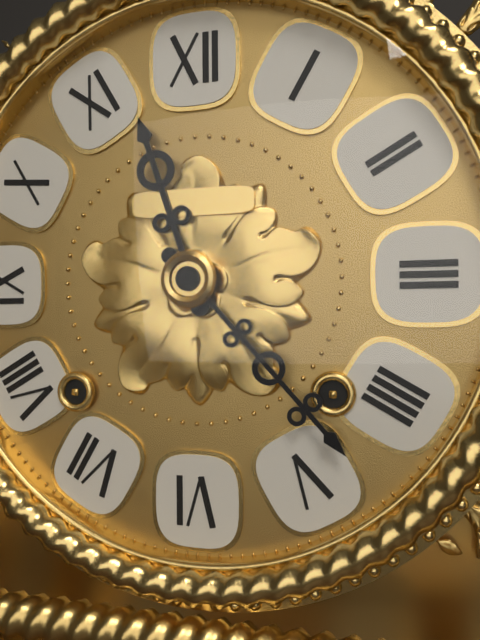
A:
**11:23**
